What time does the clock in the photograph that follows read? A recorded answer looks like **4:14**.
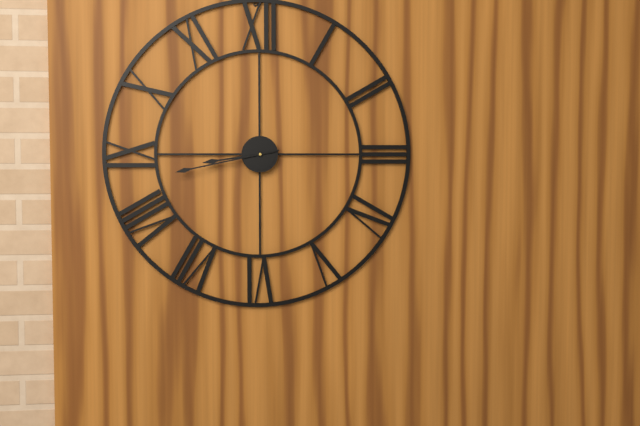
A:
**8:43**
